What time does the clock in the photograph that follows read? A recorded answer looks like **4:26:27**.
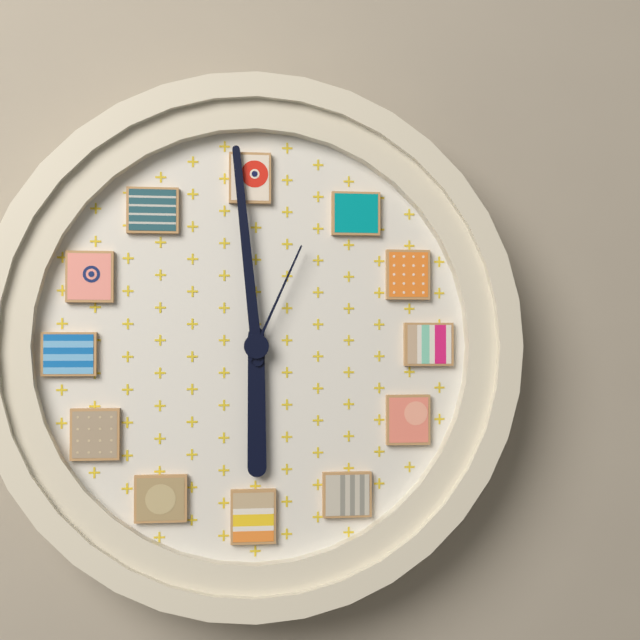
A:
**5:59:04**
